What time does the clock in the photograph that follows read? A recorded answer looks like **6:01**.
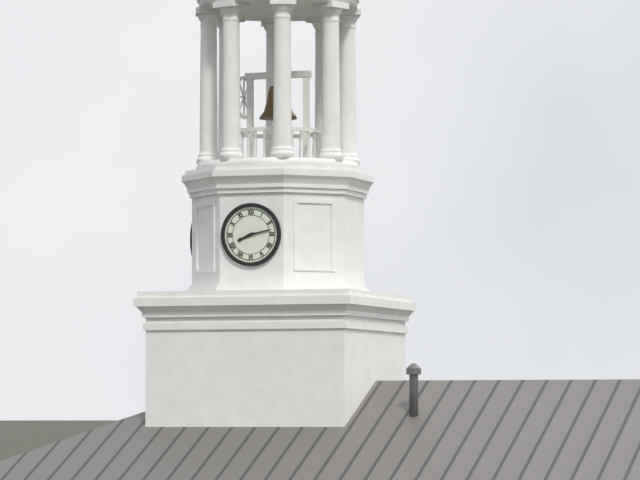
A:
**8:13**
